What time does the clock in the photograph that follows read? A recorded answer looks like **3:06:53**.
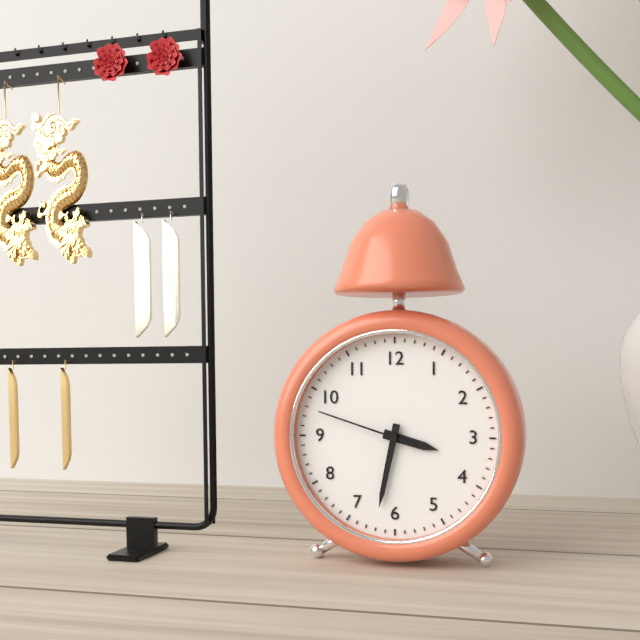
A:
**3:32:48**
